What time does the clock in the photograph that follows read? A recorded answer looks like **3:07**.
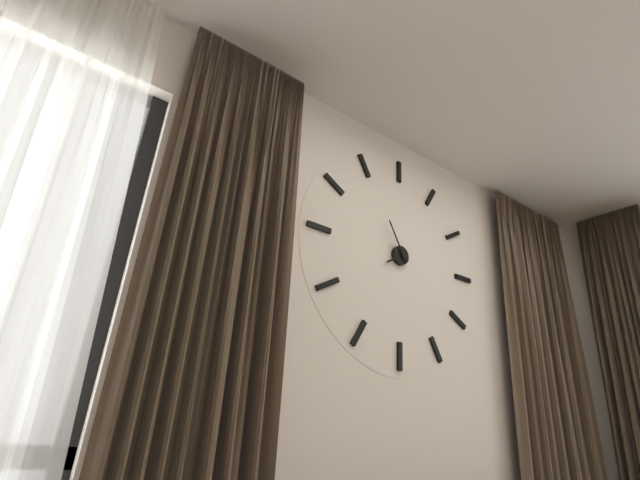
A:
**7:55**
